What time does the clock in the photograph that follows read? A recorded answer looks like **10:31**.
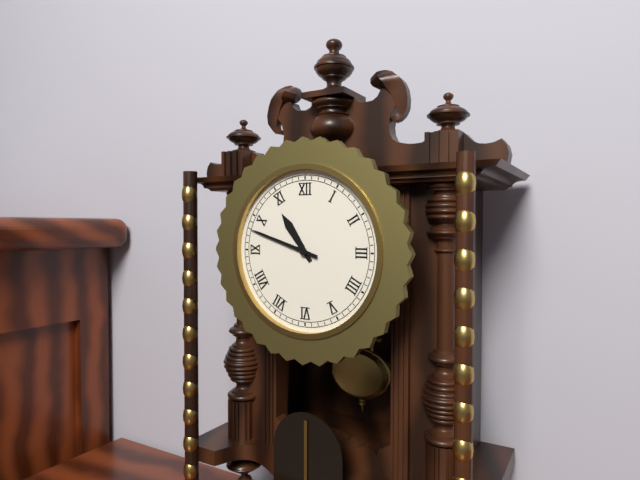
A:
**10:48**
